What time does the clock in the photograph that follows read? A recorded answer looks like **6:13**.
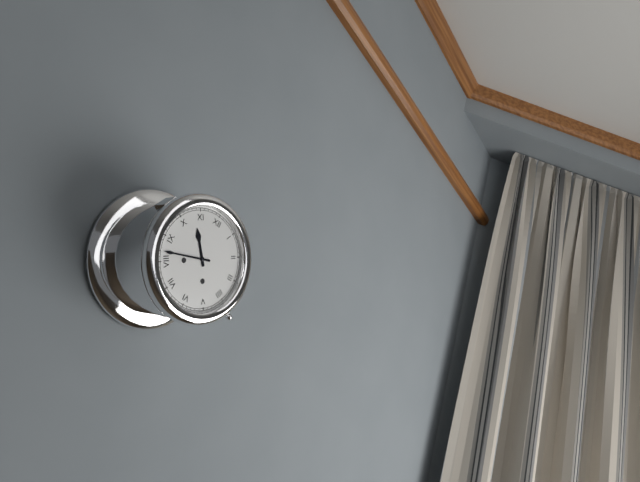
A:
**10:42**
